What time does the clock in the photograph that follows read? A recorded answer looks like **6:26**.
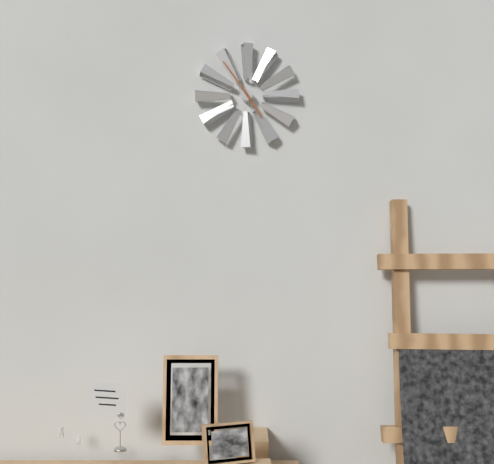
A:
**4:54**
